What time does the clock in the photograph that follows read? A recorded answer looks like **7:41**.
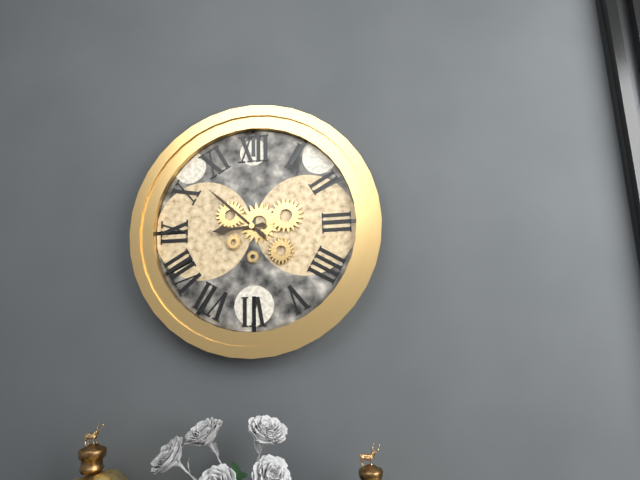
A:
**8:52**
